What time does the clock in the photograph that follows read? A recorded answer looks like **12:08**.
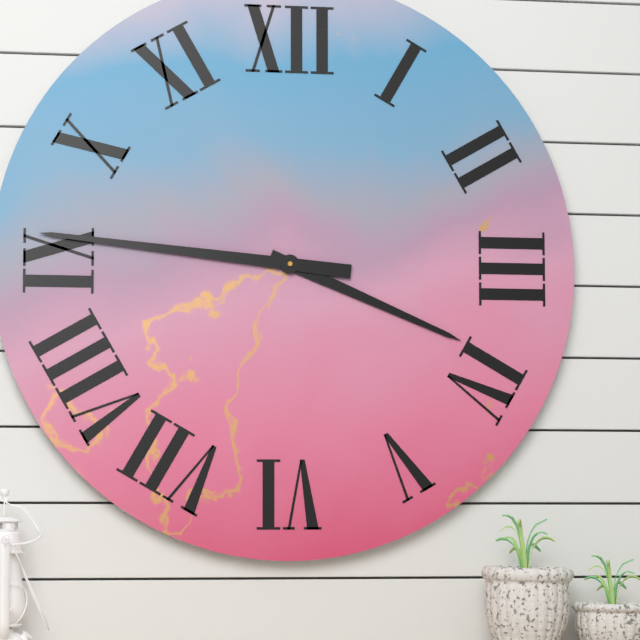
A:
**3:46**
